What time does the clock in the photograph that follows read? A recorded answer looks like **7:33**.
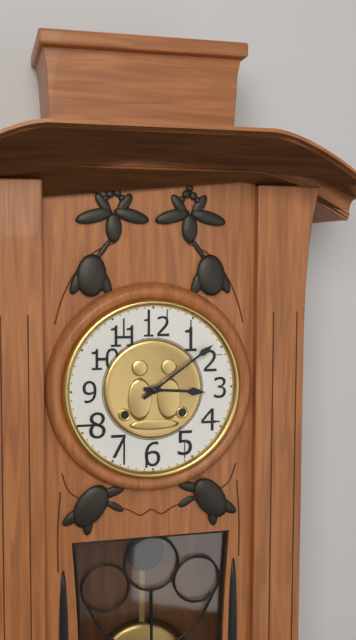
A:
**3:09**
